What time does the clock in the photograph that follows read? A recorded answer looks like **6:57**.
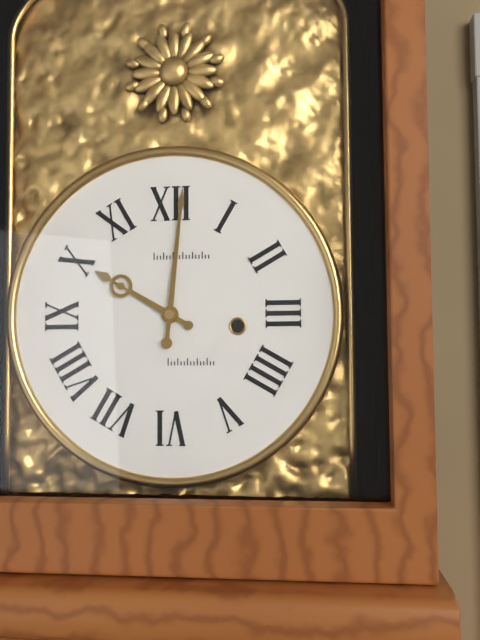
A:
**10:01**
